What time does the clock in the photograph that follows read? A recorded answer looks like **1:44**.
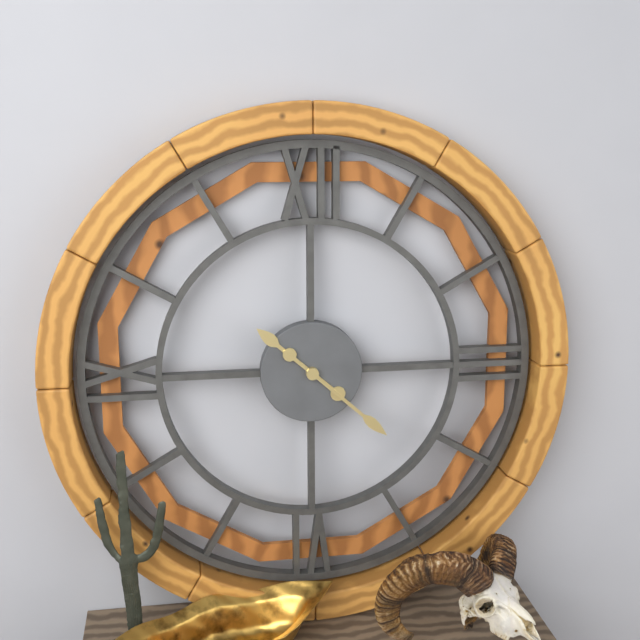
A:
**10:22**
